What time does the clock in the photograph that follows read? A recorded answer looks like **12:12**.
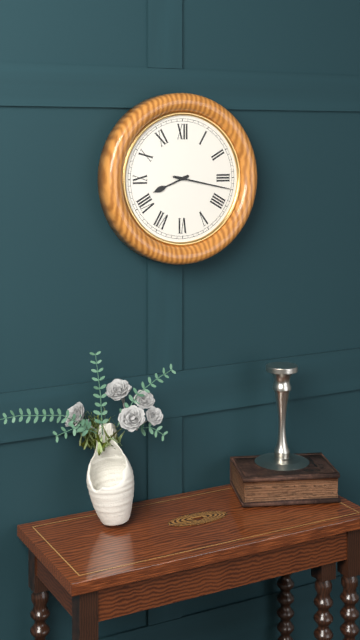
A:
**8:17**
